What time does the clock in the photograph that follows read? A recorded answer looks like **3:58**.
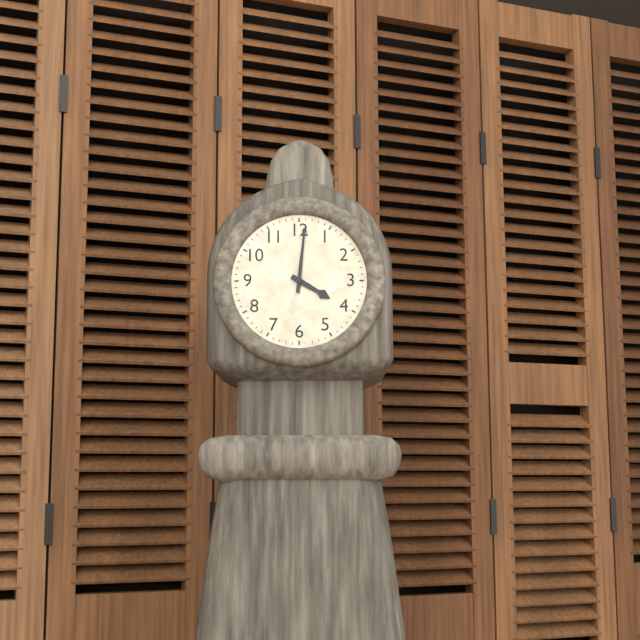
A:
**4:01**
